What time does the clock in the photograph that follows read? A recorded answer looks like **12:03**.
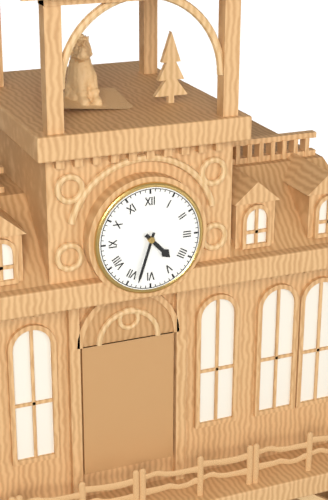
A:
**4:33**
